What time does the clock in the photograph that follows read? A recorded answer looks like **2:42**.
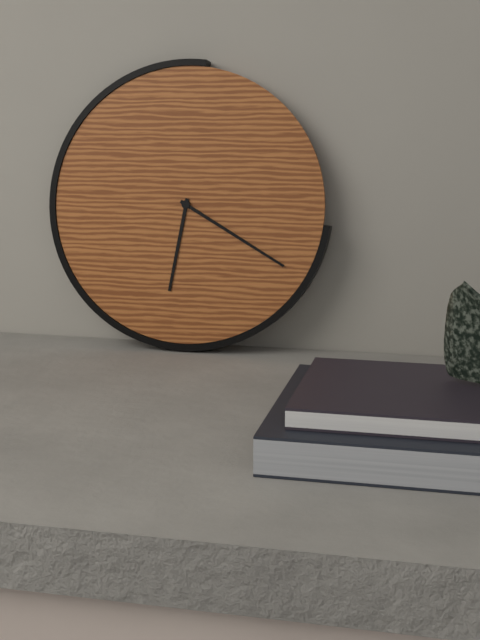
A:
**6:20**
